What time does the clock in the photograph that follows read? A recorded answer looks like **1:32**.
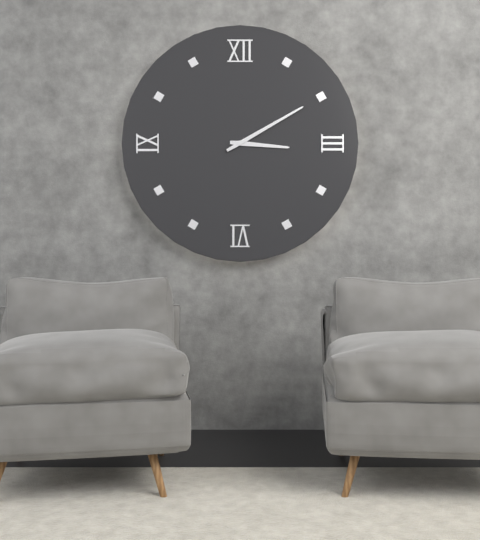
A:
**3:10**
